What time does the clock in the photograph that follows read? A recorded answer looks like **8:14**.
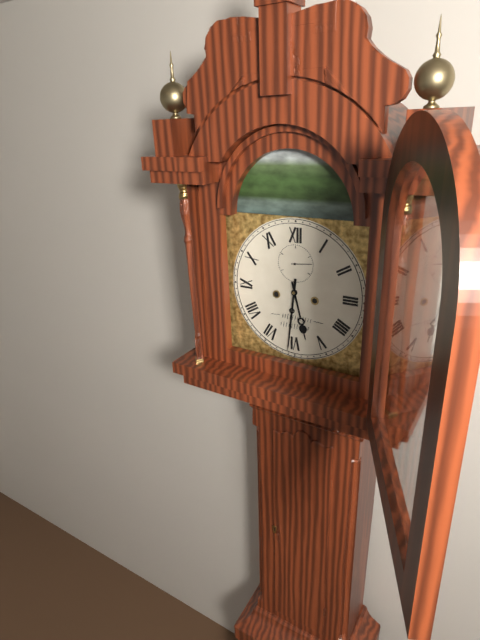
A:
**5:31**
